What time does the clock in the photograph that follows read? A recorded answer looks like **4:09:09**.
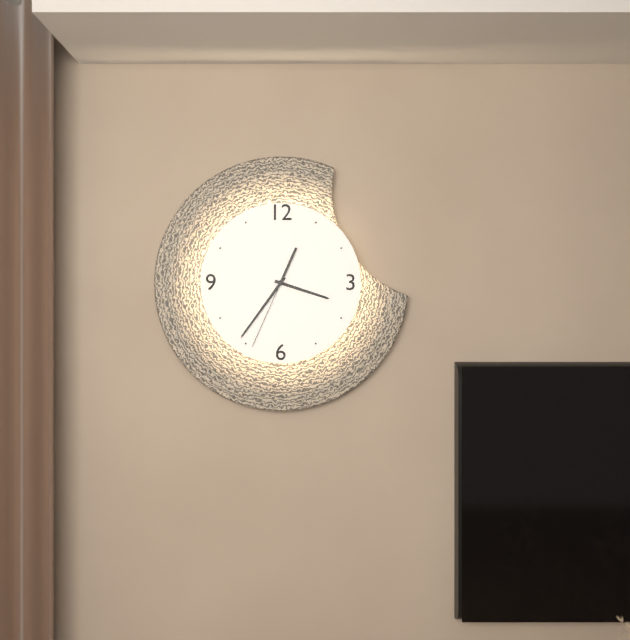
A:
**3:36:34**
